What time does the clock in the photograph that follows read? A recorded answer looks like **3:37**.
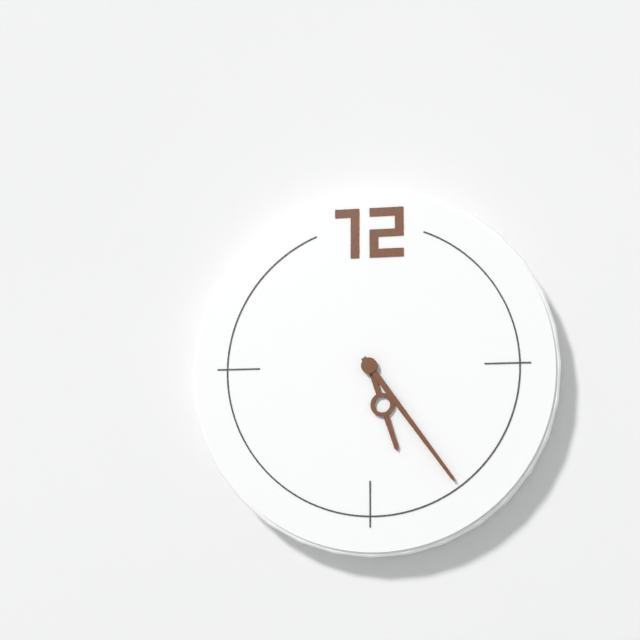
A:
**5:24**
